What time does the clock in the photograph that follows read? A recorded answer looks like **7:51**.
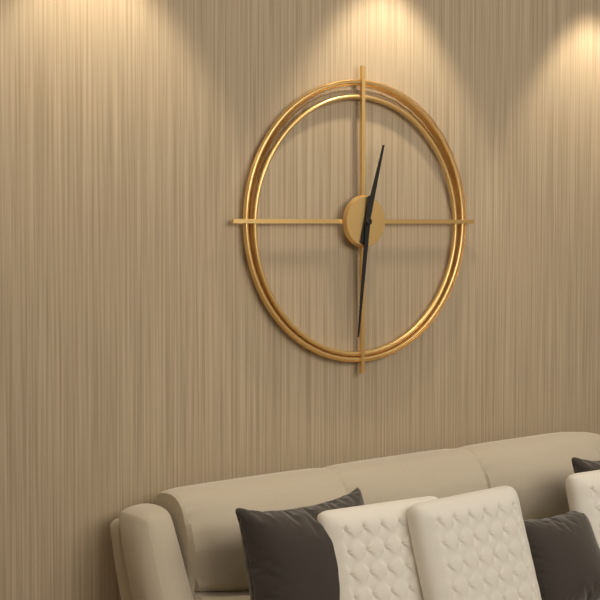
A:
**12:31**
